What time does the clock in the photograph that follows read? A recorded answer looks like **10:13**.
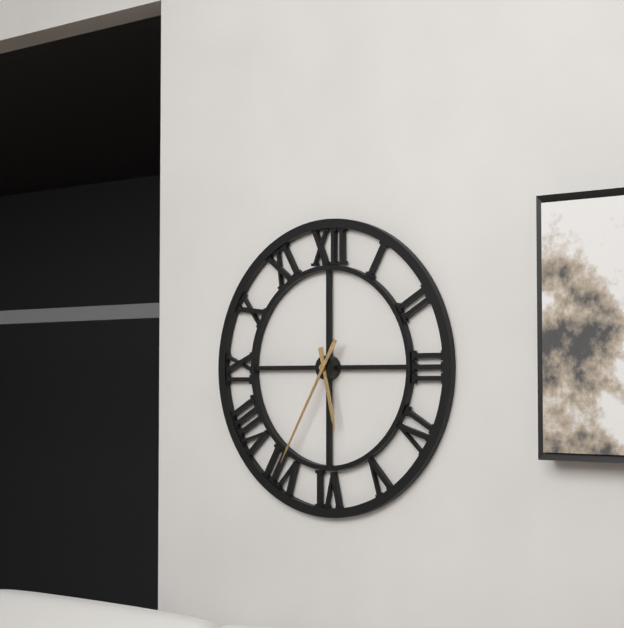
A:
**5:35**
